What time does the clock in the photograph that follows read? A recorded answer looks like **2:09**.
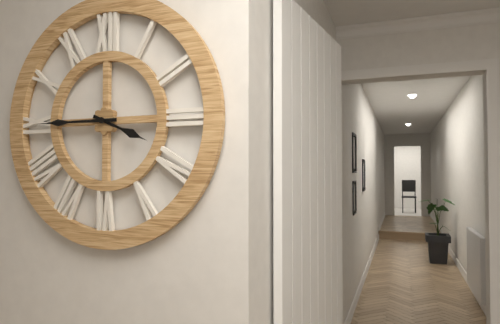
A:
**3:45**
